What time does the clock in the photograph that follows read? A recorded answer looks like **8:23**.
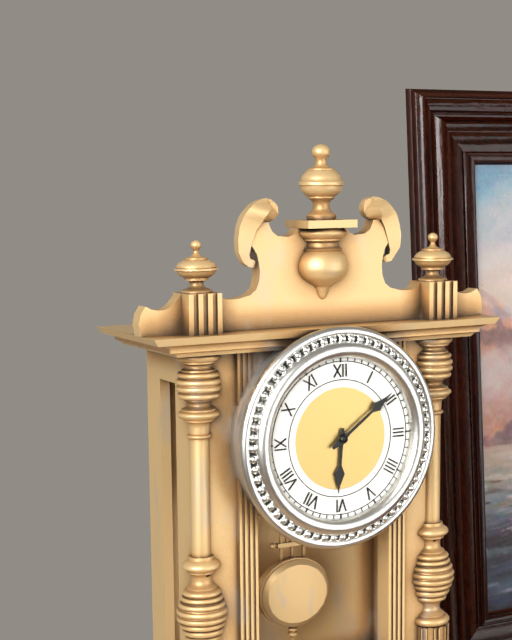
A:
**6:09**
